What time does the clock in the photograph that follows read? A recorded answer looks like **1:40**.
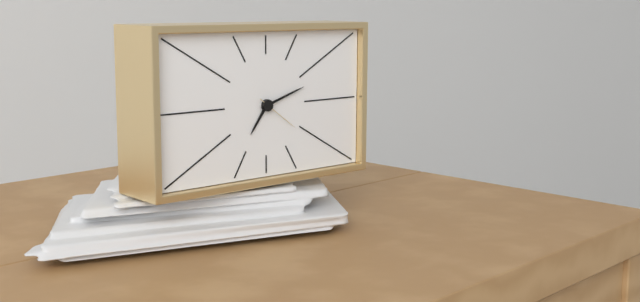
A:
**7:12**
